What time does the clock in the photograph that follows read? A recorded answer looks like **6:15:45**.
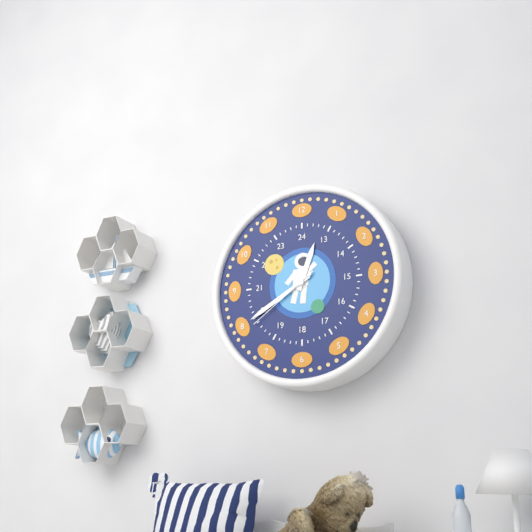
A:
**12:40:39**
